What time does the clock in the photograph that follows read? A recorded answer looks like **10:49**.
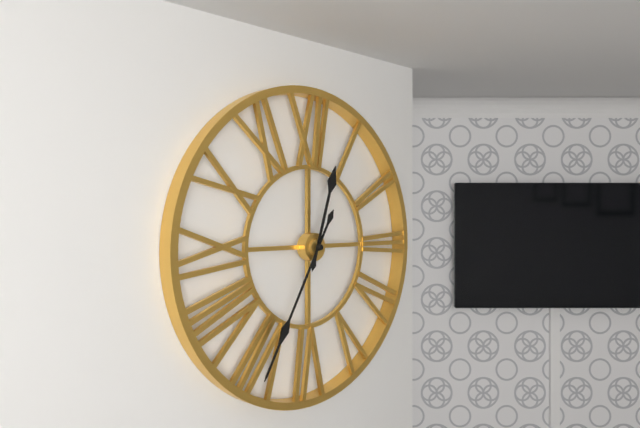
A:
**12:35**
